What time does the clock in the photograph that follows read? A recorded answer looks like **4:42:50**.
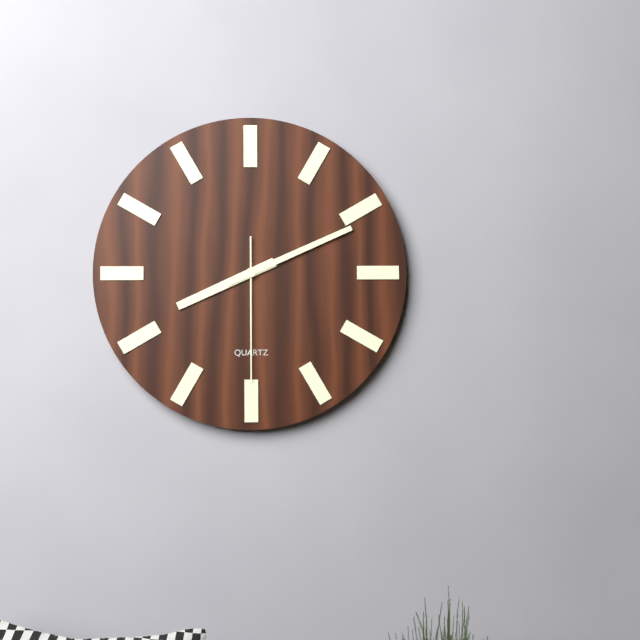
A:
**8:11:30**
